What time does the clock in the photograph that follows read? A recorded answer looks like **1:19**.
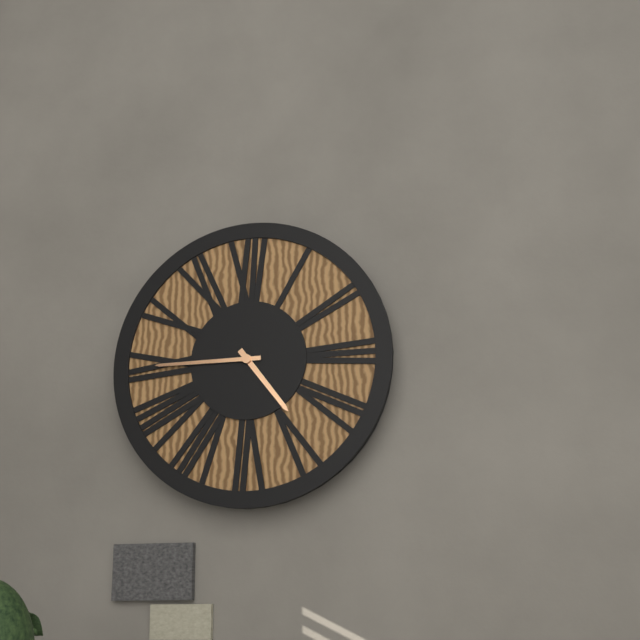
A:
**4:45**
